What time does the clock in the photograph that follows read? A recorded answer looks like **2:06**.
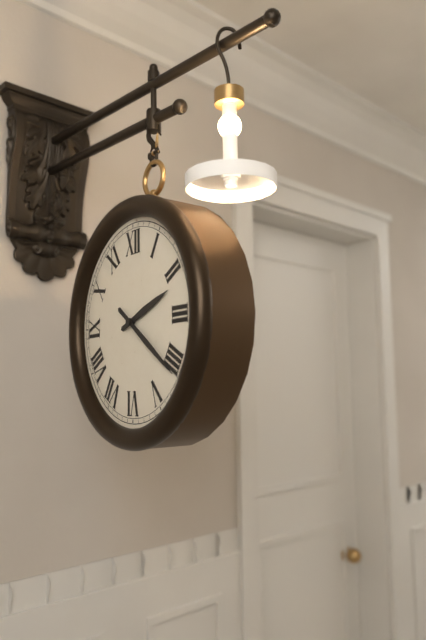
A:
**2:21**
